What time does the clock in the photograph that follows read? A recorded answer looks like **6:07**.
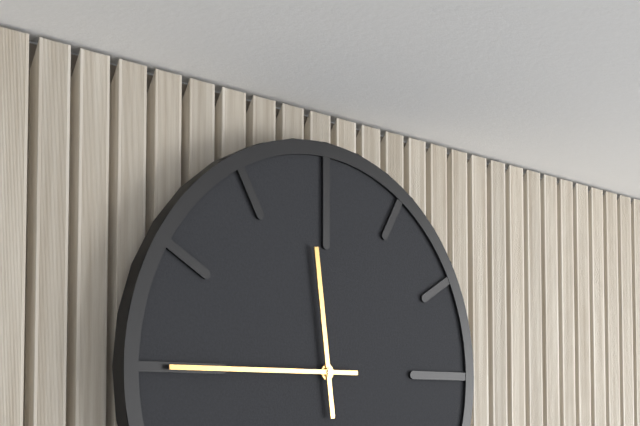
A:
**11:45**
